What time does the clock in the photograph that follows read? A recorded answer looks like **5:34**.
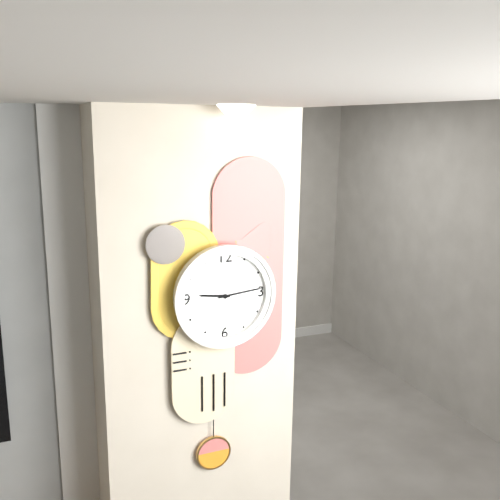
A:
**9:14**
